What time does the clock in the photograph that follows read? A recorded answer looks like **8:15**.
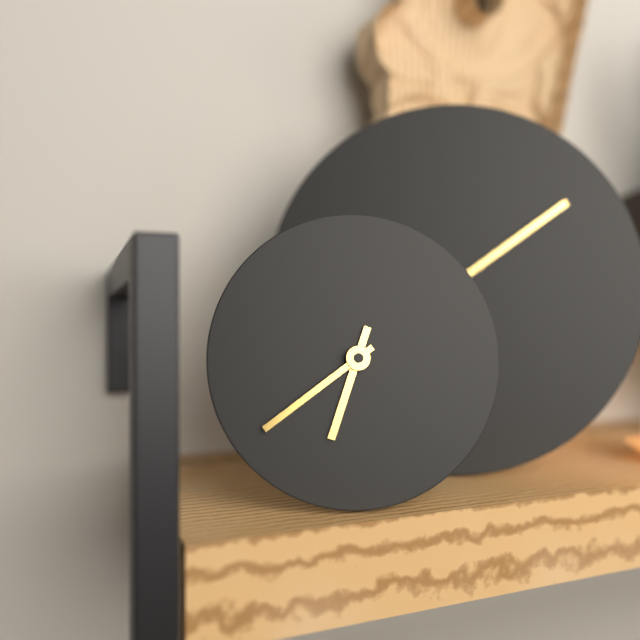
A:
**6:39**
